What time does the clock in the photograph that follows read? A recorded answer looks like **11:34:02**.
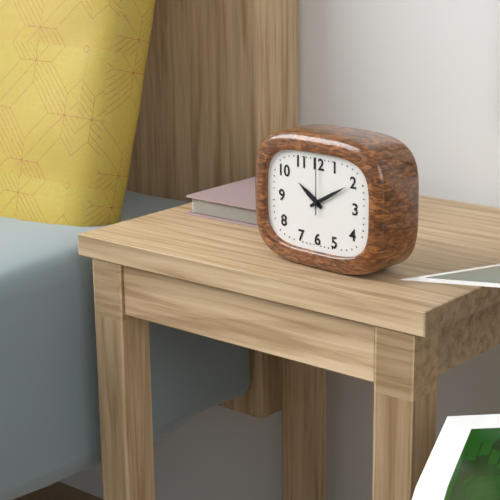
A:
**10:10:00**
